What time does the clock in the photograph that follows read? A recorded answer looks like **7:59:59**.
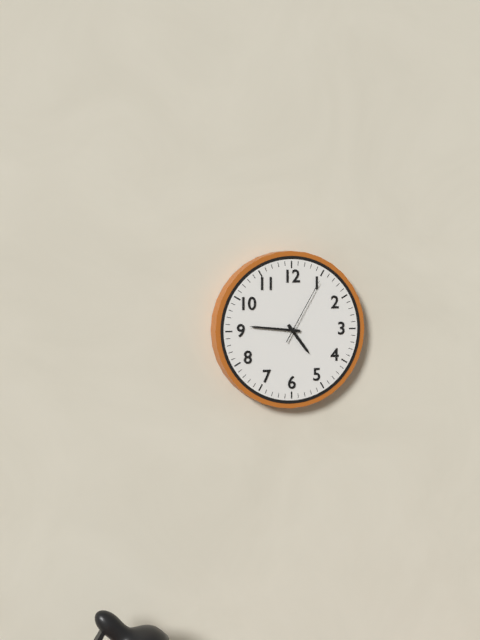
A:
**4:46:05**
